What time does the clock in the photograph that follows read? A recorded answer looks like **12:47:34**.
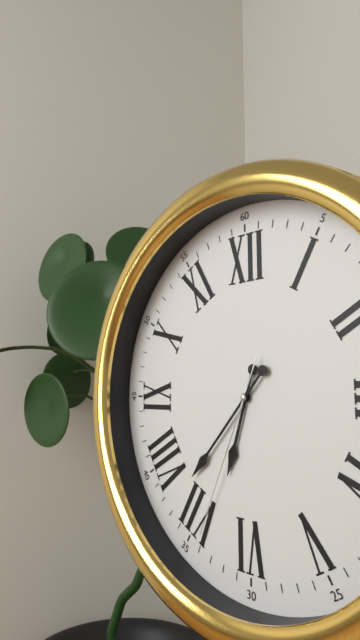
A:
**6:37:34**
